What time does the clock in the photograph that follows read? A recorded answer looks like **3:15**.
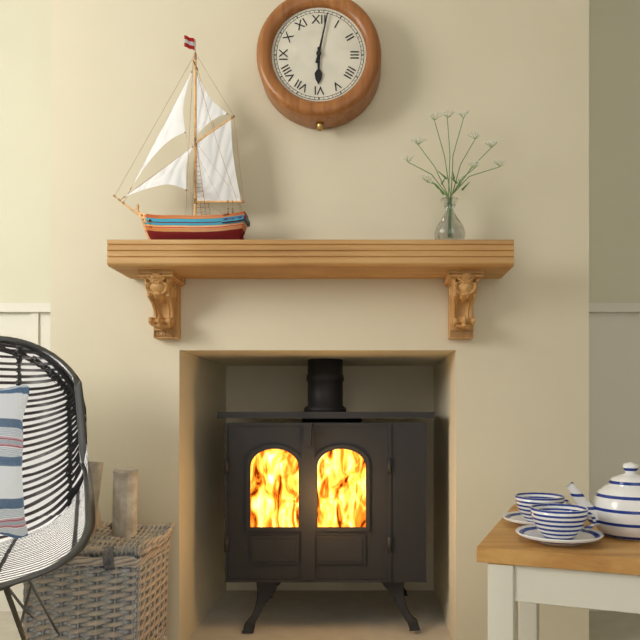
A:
**6:02**
